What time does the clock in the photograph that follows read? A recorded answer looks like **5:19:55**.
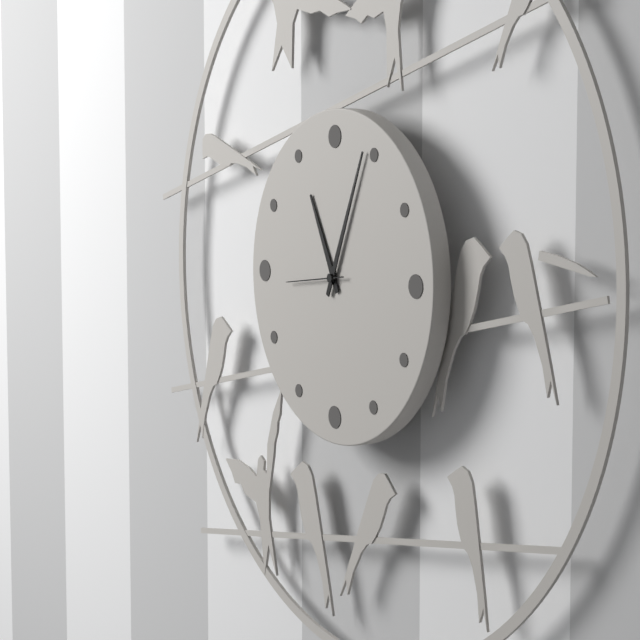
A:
**11:04:44**
